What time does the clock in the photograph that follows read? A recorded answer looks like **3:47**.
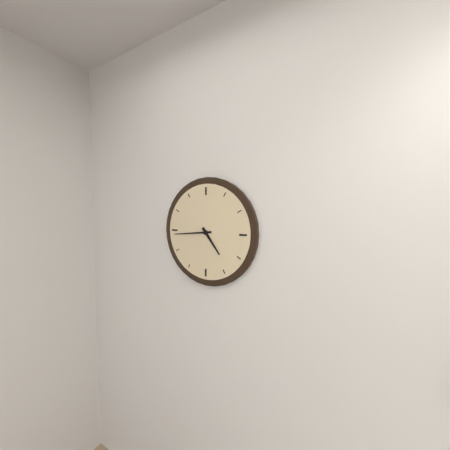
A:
**4:44**
